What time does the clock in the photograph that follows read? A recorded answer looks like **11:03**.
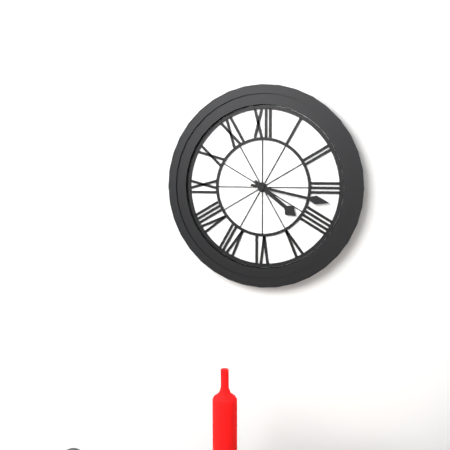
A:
**4:17**
